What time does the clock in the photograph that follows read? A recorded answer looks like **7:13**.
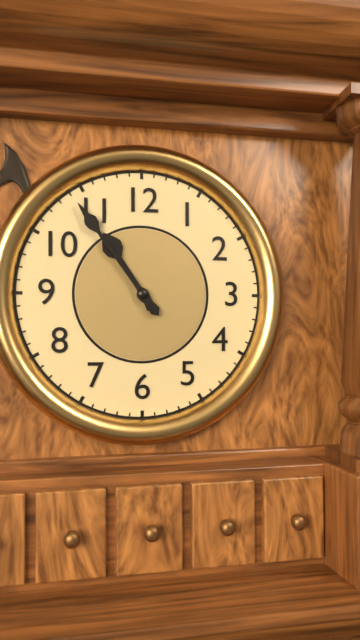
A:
**10:54**
